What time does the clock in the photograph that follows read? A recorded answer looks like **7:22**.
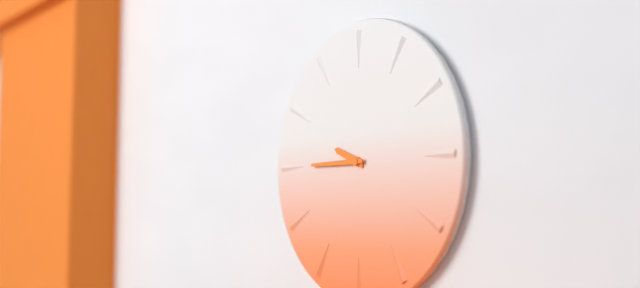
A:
**9:45**
